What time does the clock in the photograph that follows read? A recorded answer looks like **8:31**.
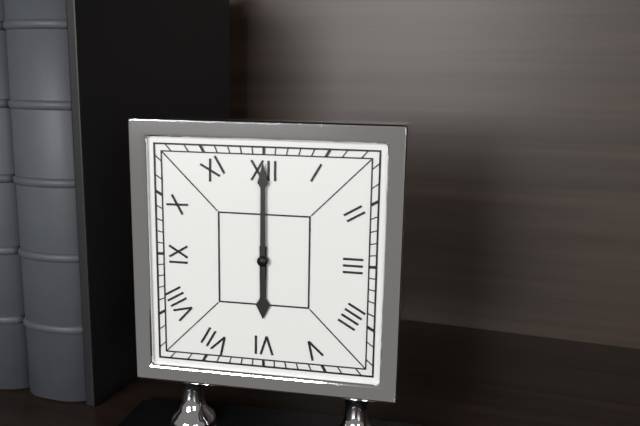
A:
**6:00**
